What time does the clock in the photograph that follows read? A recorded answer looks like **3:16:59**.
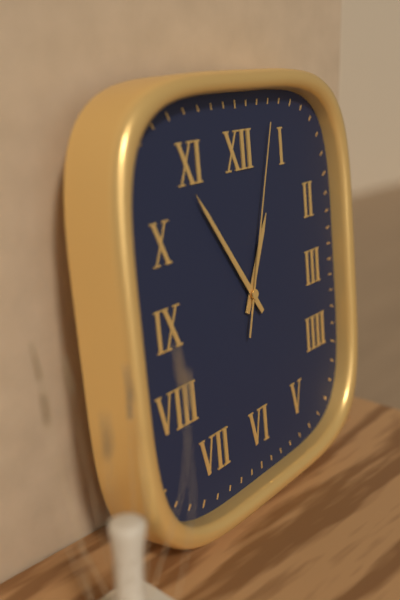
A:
**12:54:03**
